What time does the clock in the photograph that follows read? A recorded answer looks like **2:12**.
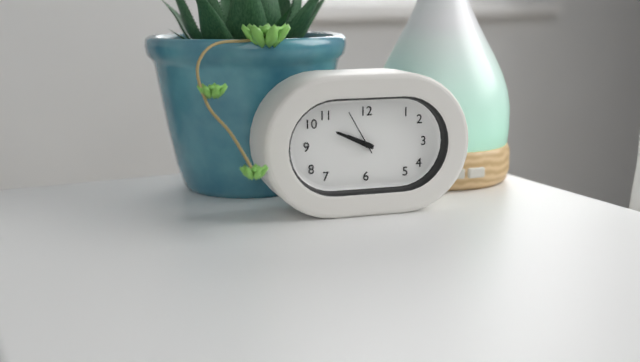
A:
**9:49**
